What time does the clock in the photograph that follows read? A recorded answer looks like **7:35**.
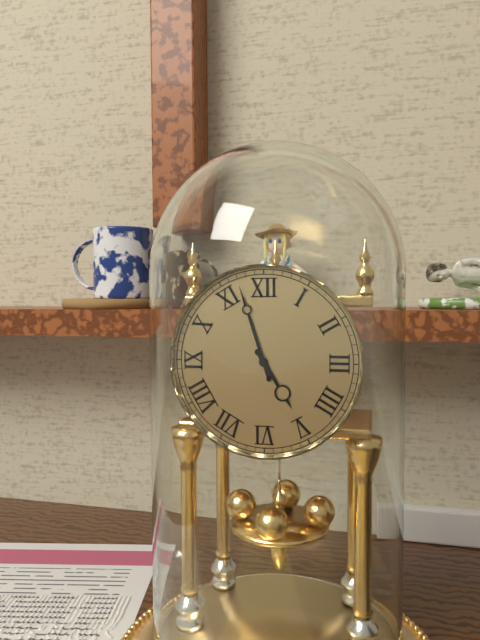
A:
**4:57**
